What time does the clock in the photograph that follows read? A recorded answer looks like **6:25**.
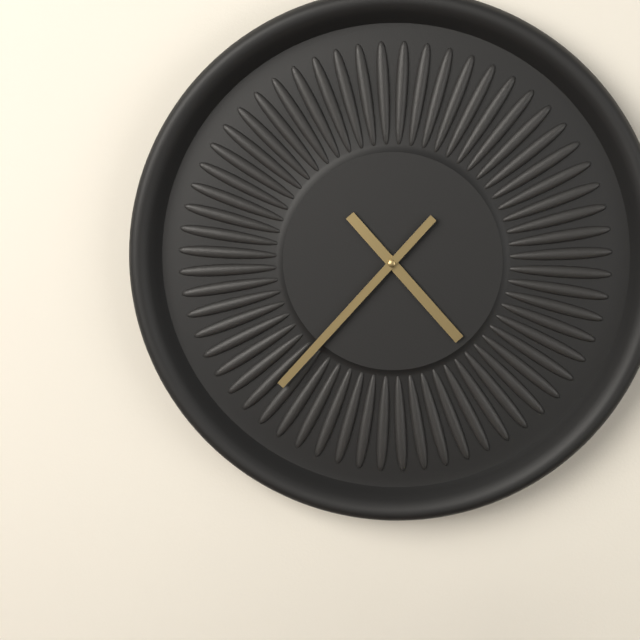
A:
**4:37**
